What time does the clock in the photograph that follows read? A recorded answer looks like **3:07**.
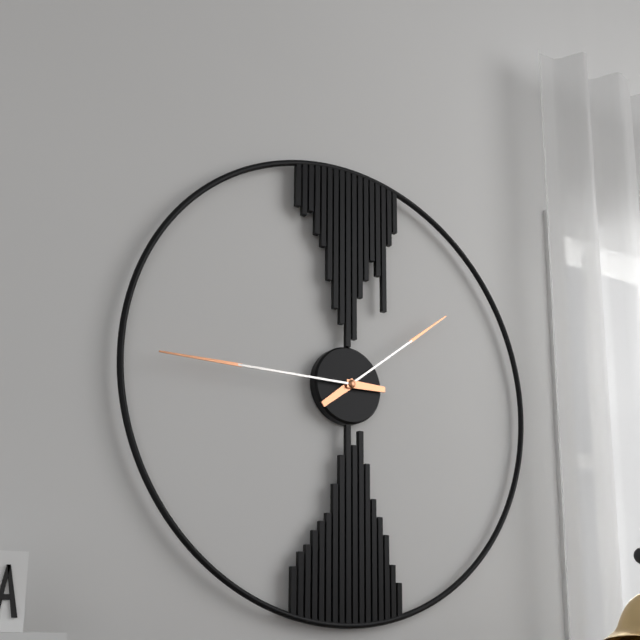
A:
**1:45**
